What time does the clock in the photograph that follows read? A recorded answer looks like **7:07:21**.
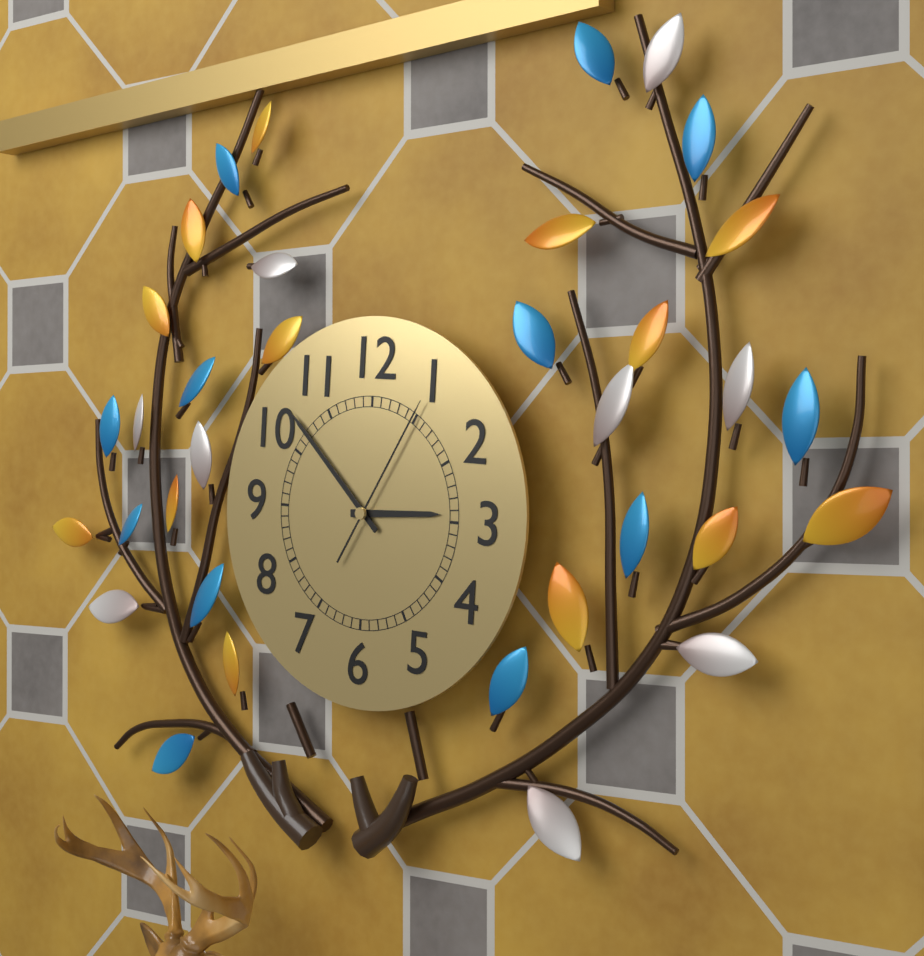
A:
**2:52:05**
